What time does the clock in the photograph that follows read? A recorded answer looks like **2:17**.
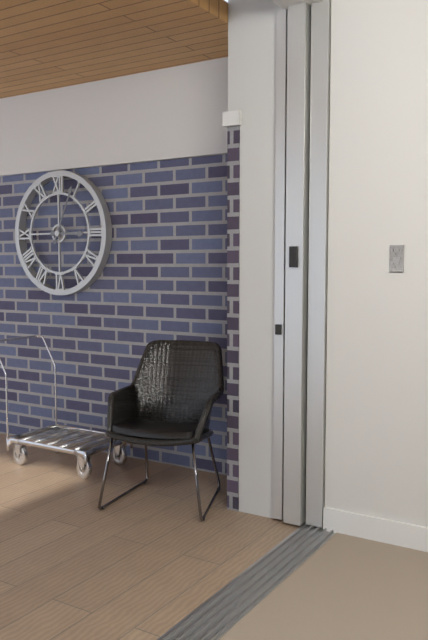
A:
**3:04**
